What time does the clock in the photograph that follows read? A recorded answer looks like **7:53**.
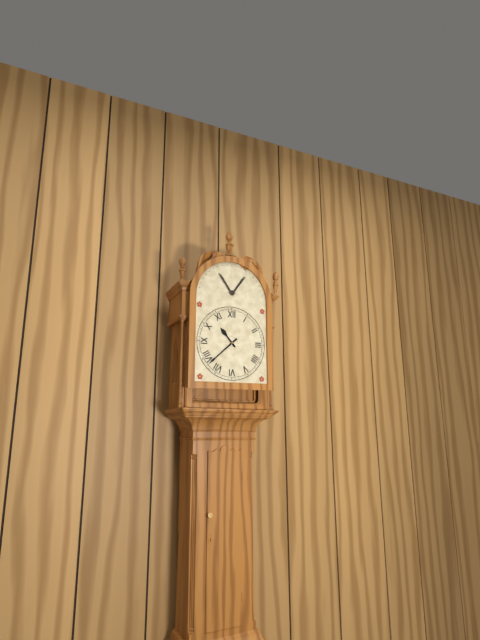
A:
**10:38**
